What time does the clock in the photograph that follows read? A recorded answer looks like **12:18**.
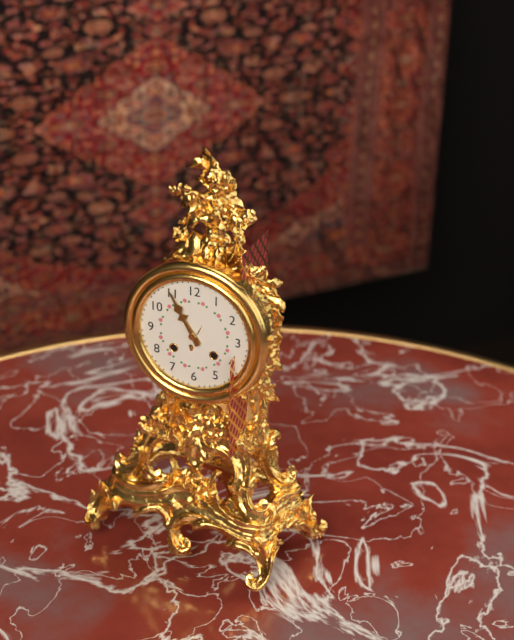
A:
**10:55**
